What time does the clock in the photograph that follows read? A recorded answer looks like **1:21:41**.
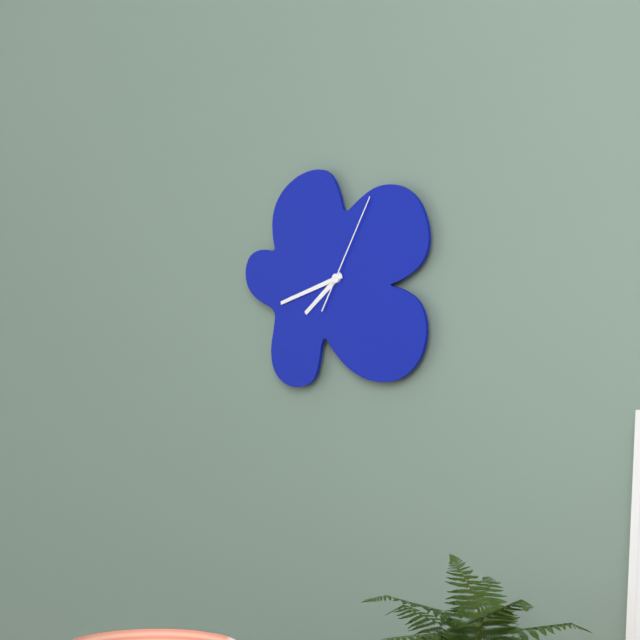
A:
**7:42:05**
